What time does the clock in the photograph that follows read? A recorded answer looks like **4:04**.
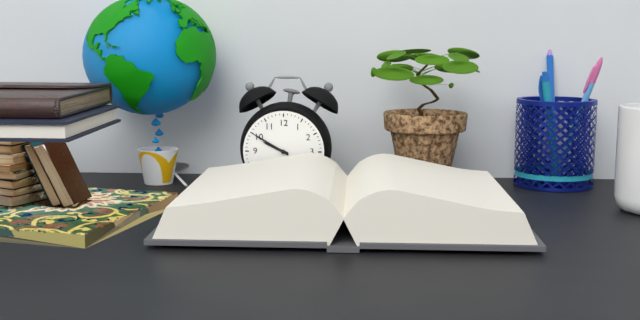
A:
**9:50**
